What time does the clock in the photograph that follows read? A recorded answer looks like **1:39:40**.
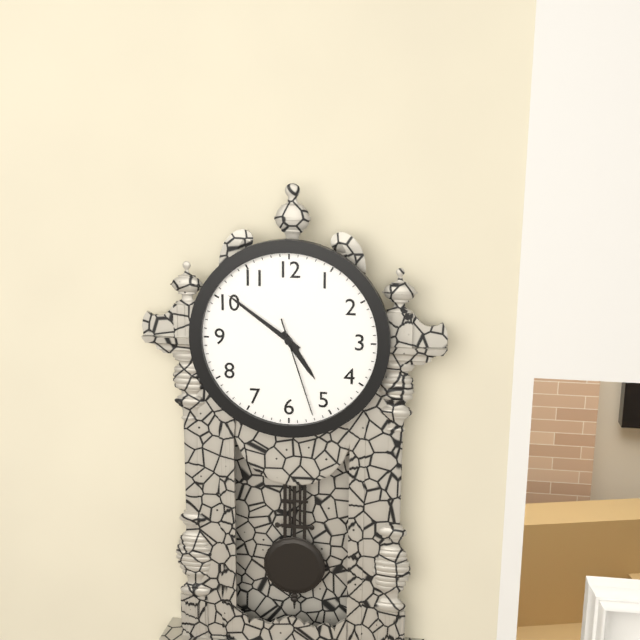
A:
**4:51:27**
